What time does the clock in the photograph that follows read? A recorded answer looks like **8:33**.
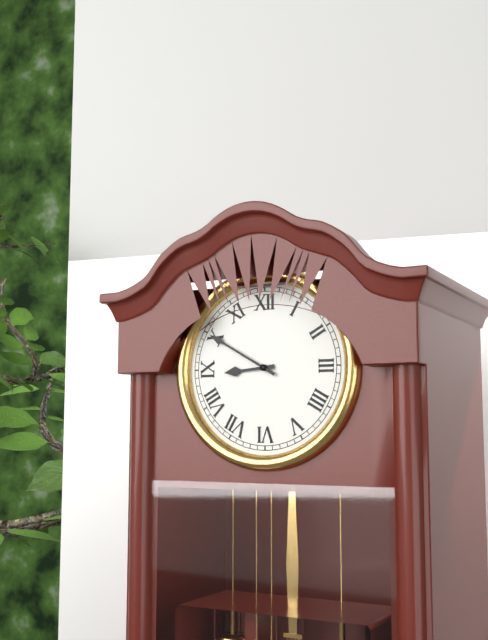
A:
**8:50**
